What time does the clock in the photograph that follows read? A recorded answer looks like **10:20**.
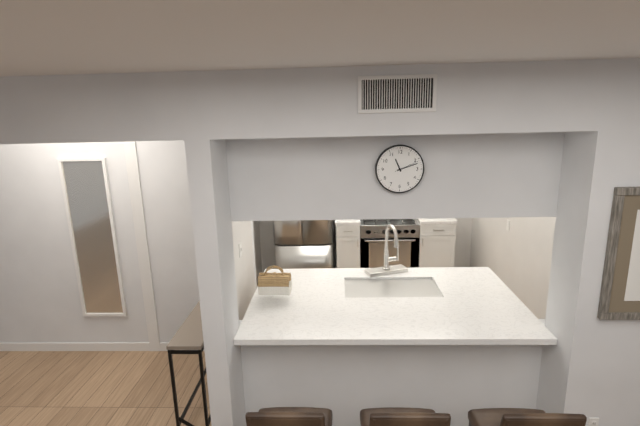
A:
**11:12**
